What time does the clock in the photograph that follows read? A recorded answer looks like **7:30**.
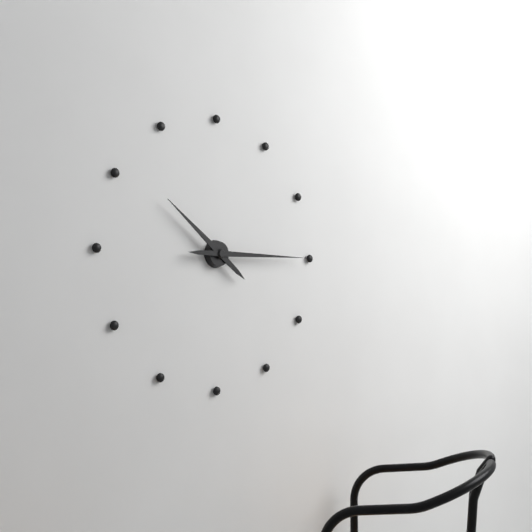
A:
**10:15**
